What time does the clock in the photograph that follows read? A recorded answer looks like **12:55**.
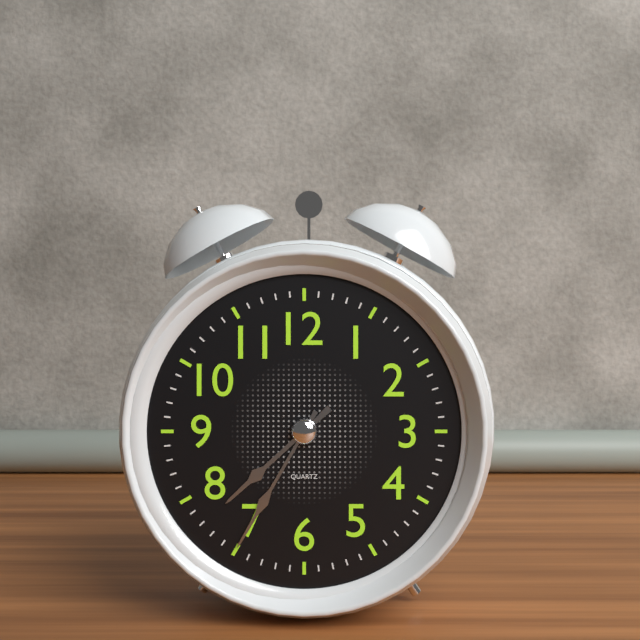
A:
**7:35**
